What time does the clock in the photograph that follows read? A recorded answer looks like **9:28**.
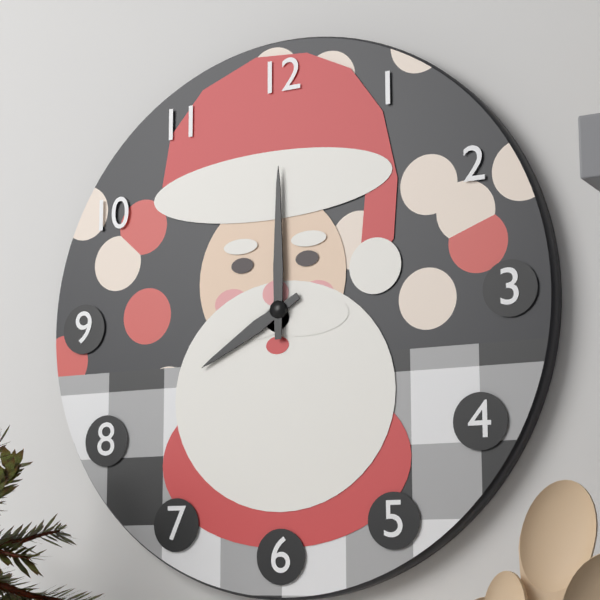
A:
**8:00**
